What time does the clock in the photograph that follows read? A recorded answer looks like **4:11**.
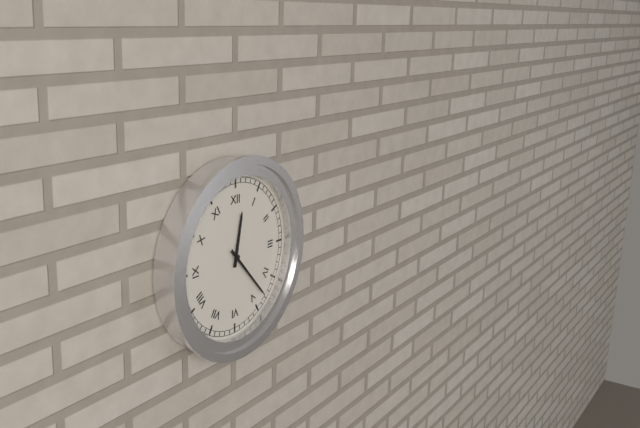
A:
**12:23**
